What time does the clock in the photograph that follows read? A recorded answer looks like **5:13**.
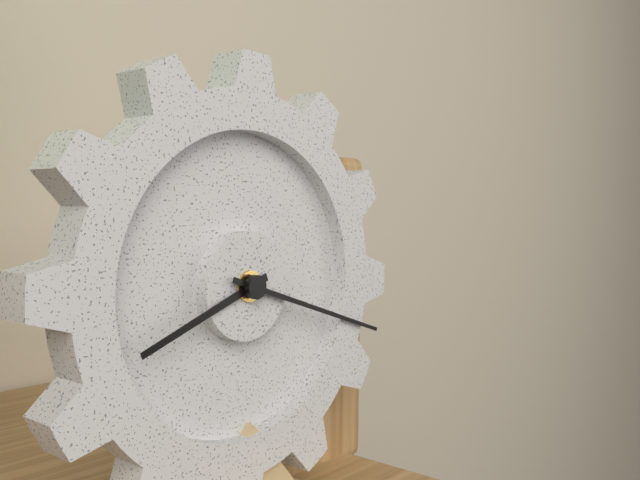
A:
**8:18**
